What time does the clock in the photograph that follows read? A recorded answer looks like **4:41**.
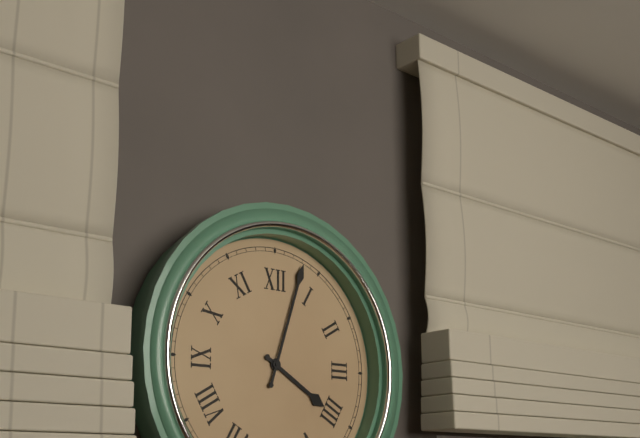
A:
**4:03**
